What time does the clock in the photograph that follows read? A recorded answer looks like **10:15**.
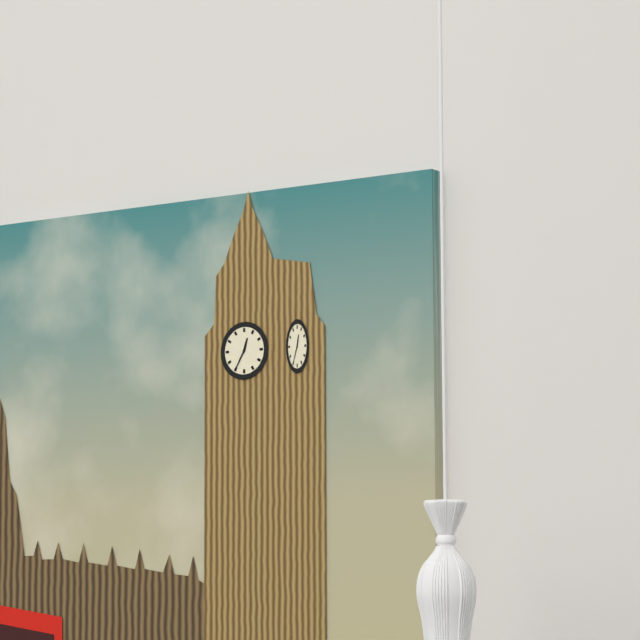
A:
**12:35**
